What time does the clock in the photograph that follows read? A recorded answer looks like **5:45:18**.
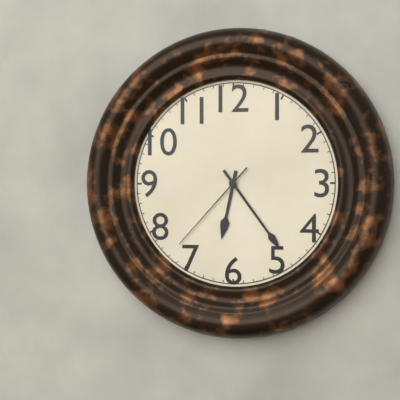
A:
**6:24:37**
